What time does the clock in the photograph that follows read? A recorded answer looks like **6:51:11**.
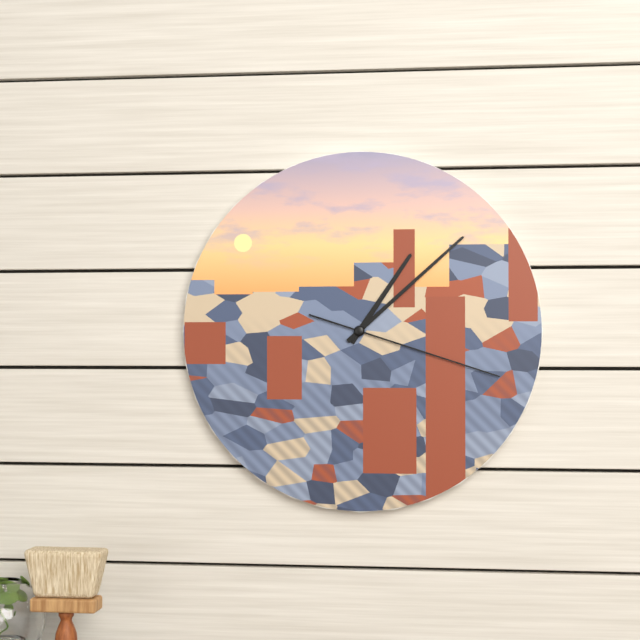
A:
**1:08:18**
